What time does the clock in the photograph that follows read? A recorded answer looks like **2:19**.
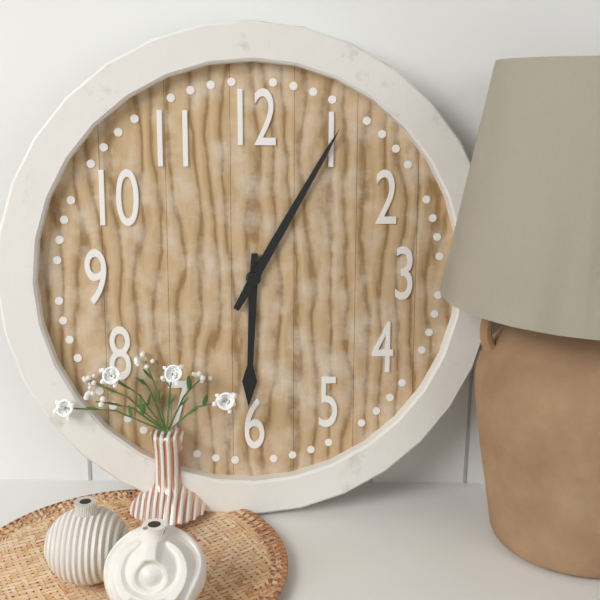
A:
**6:05**
